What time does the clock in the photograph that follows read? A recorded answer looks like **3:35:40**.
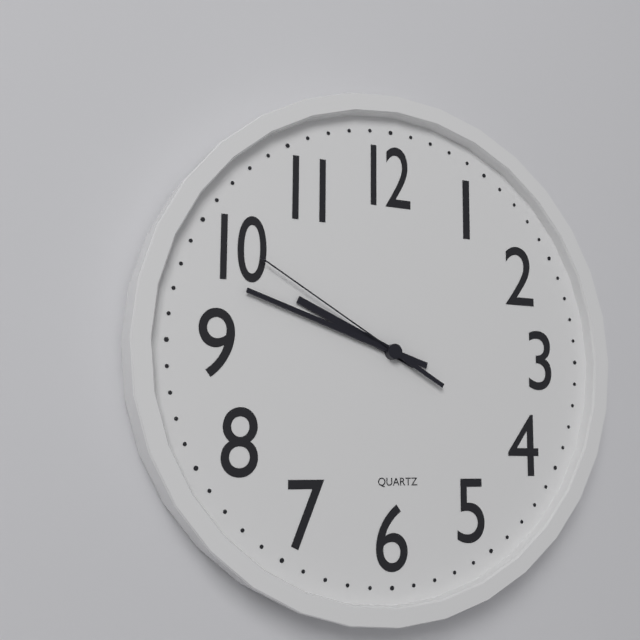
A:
**9:48:50**
